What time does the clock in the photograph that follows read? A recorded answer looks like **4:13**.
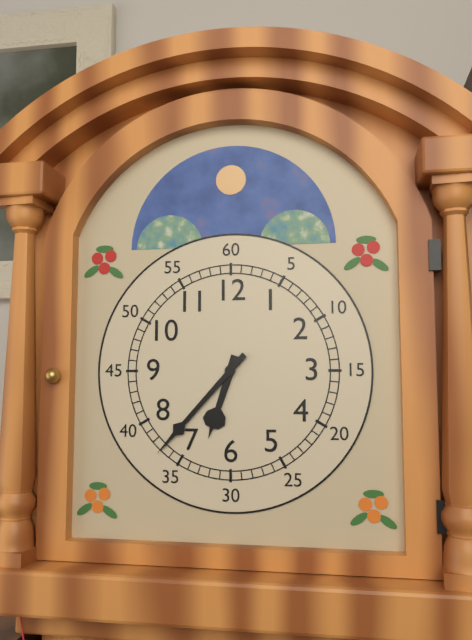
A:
**6:37**
